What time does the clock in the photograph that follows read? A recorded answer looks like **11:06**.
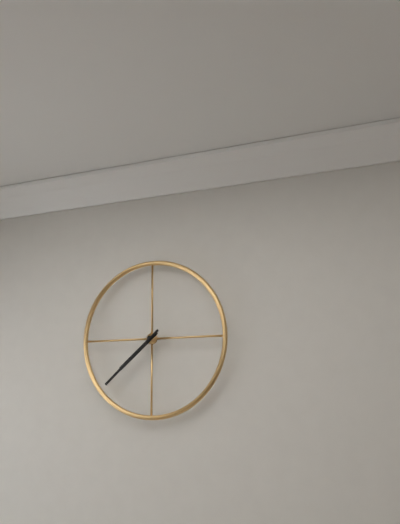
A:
**7:38**
